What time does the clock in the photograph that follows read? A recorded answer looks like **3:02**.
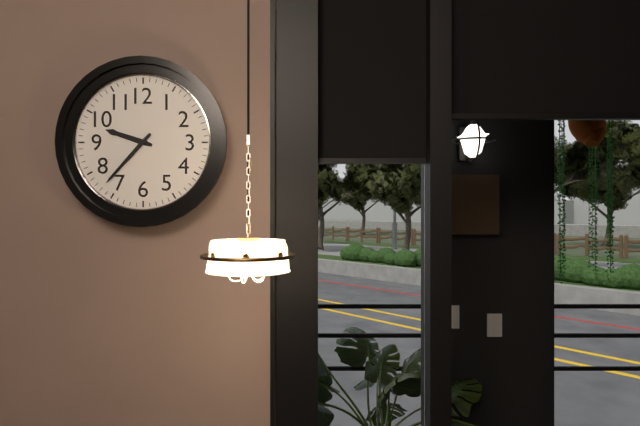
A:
**9:37**
